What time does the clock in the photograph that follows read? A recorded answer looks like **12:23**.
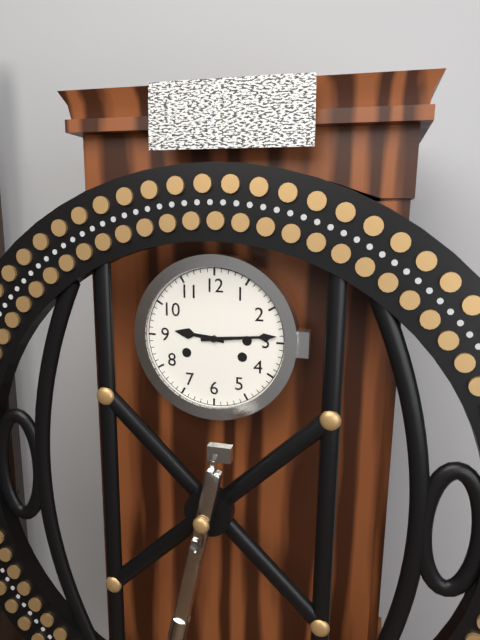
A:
**9:14**
